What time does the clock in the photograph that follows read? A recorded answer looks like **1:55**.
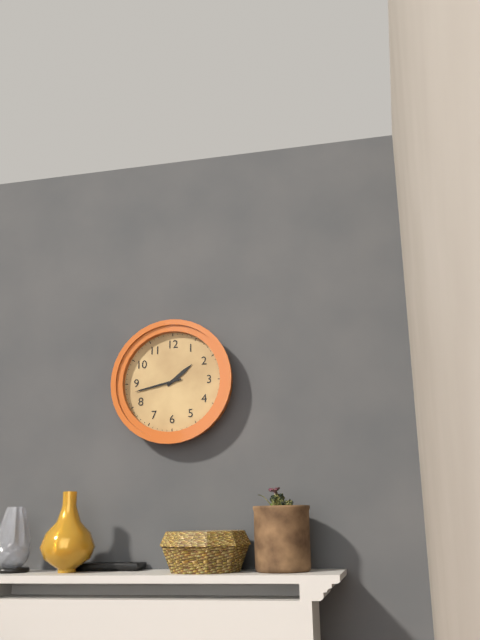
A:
**1:43**
